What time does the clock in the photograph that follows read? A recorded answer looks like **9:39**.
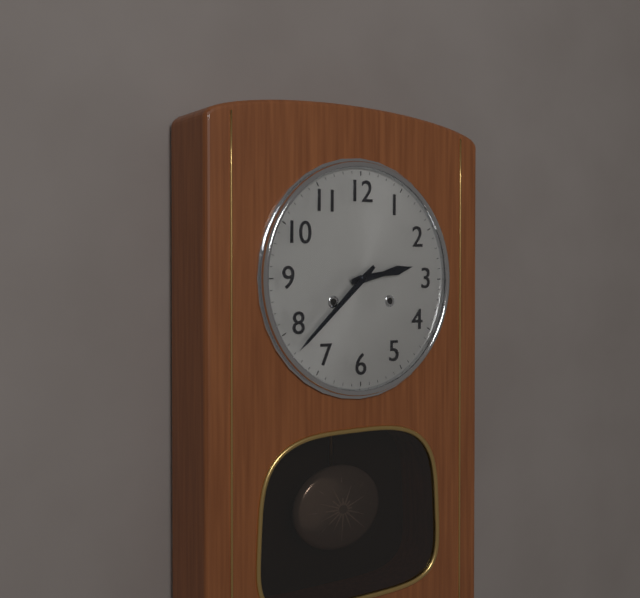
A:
**2:38**
